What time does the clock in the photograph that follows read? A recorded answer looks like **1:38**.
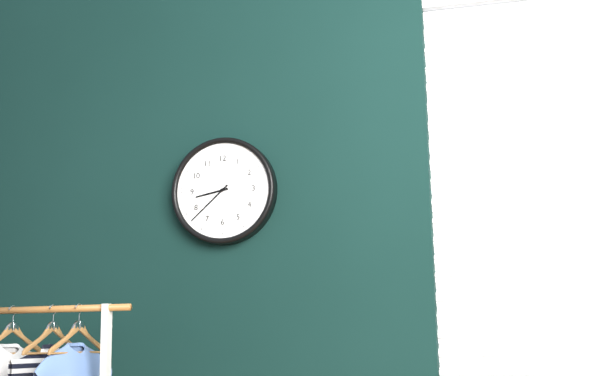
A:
**8:38**
